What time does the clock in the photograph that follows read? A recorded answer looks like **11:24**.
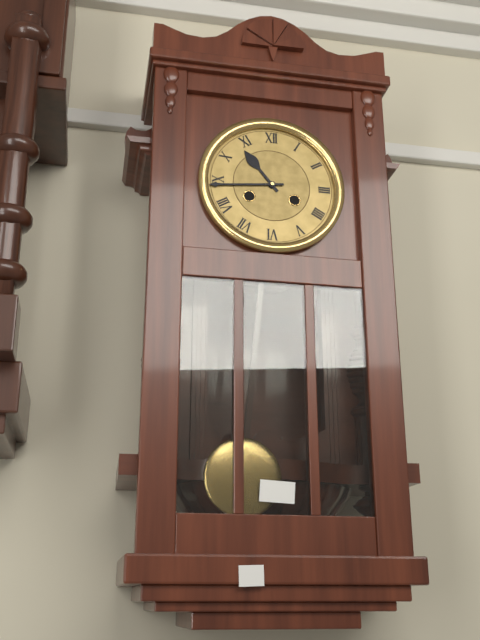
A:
**10:44**
